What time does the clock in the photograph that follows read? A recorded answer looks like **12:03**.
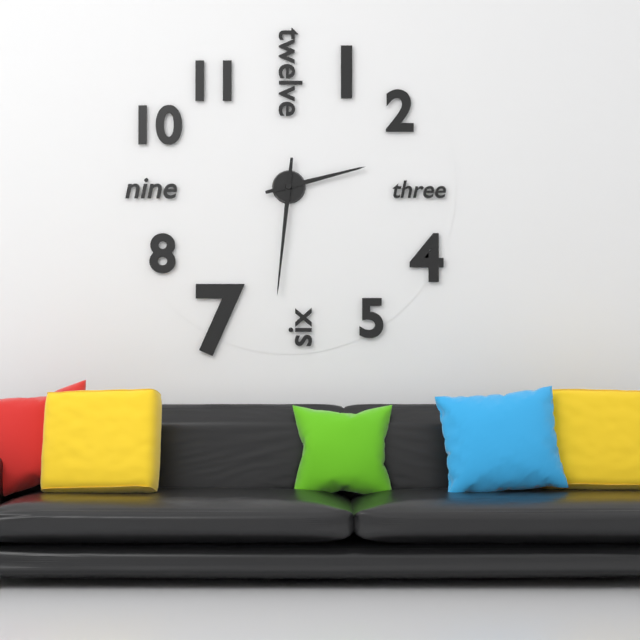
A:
**2:31**
